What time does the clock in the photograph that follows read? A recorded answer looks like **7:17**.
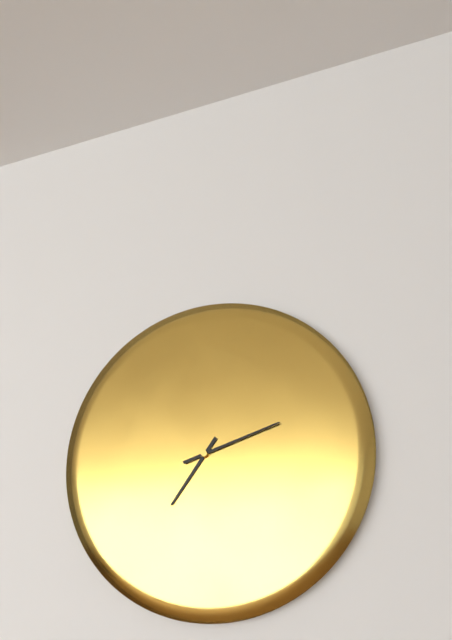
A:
**7:12**
